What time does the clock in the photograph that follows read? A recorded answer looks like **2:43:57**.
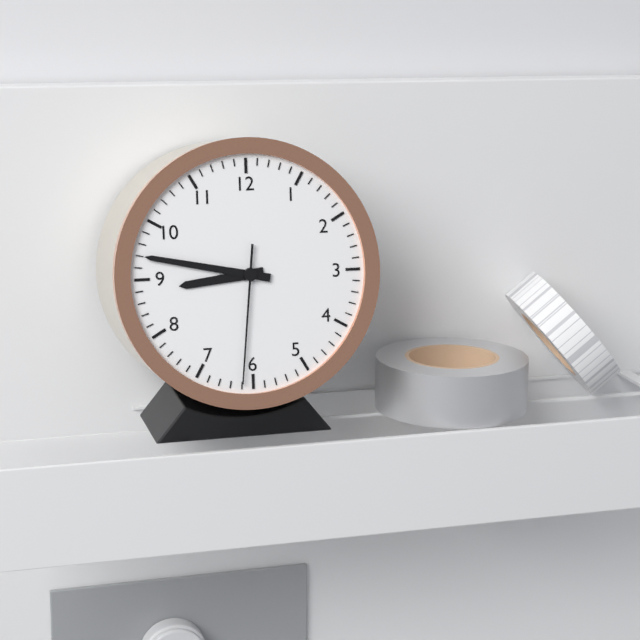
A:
**8:47:31**
